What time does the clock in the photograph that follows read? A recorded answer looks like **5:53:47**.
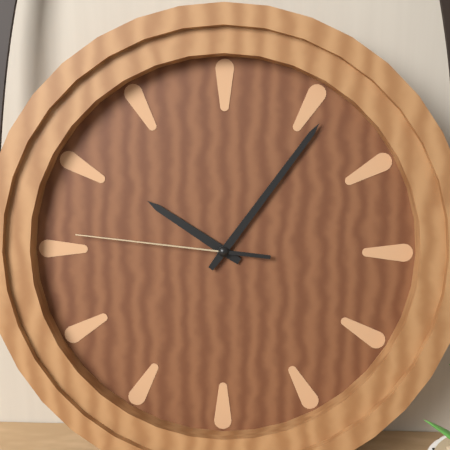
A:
**10:06:46**
